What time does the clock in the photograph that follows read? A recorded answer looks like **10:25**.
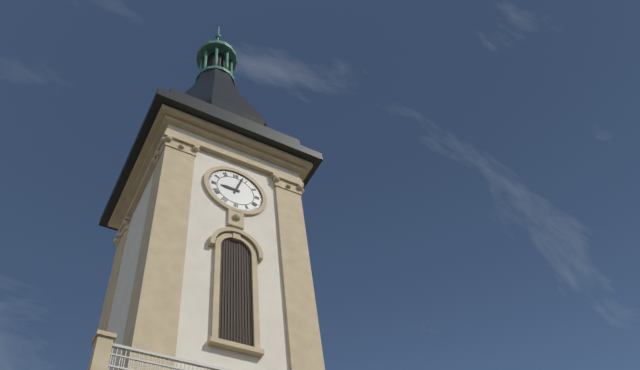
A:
**9:03**
